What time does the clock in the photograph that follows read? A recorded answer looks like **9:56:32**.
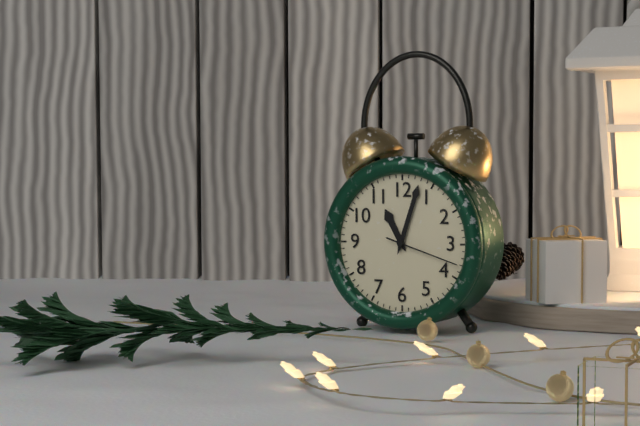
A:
**11:03:18**
